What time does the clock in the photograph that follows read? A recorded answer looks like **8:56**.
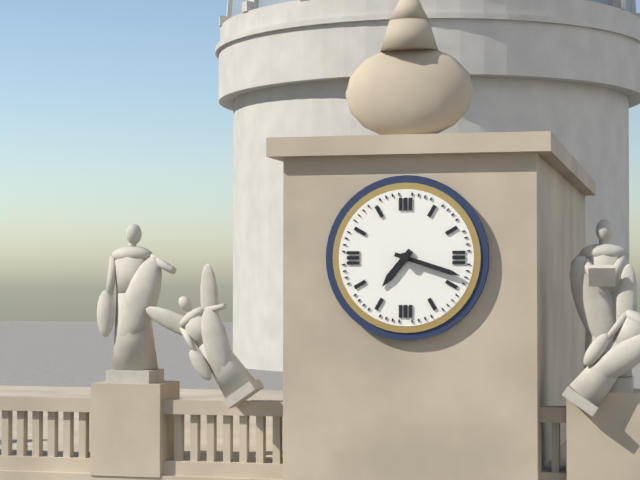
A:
**7:18**
